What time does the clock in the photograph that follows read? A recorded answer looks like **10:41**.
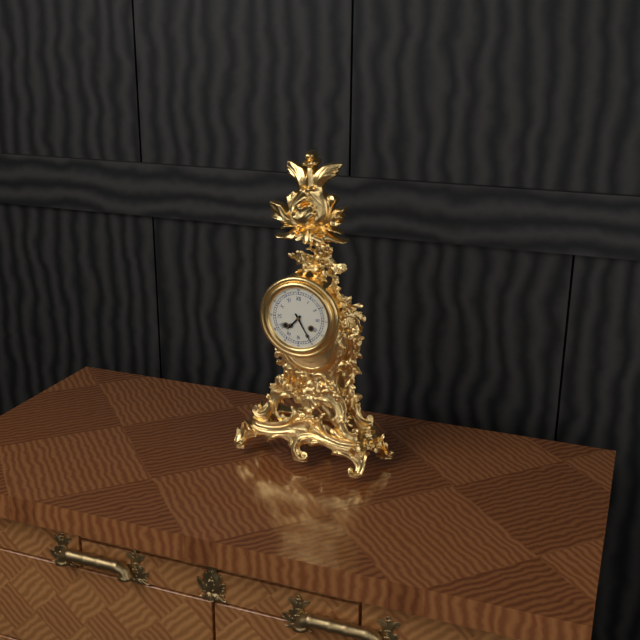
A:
**7:25**
